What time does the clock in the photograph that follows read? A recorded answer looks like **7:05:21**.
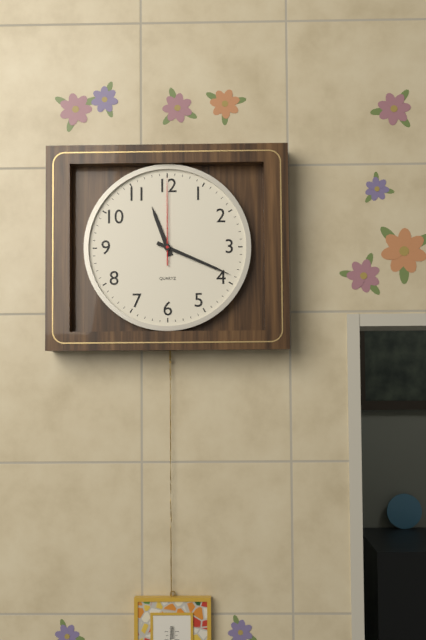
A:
**11:19:00**
